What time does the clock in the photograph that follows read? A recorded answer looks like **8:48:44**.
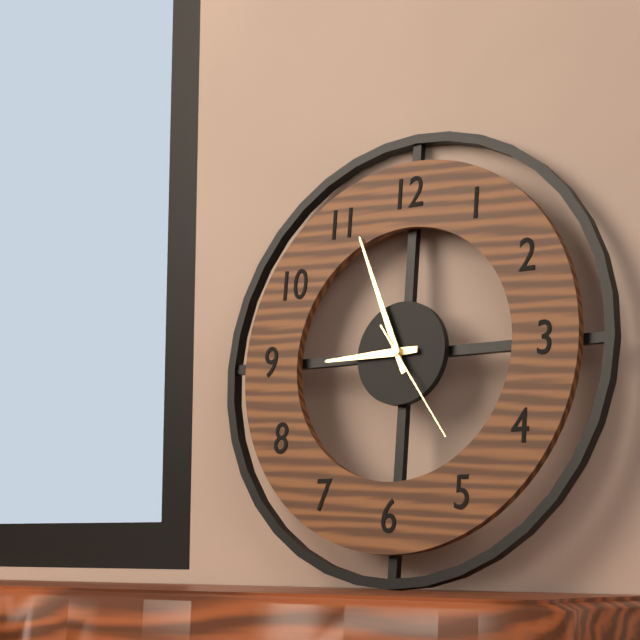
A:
**8:56:24**
